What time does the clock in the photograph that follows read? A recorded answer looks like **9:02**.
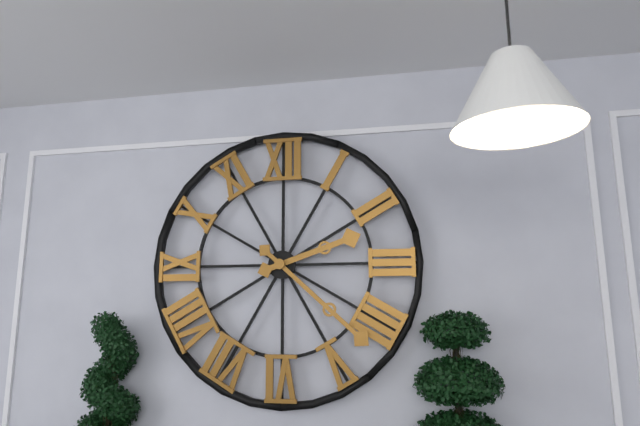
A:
**2:22**
